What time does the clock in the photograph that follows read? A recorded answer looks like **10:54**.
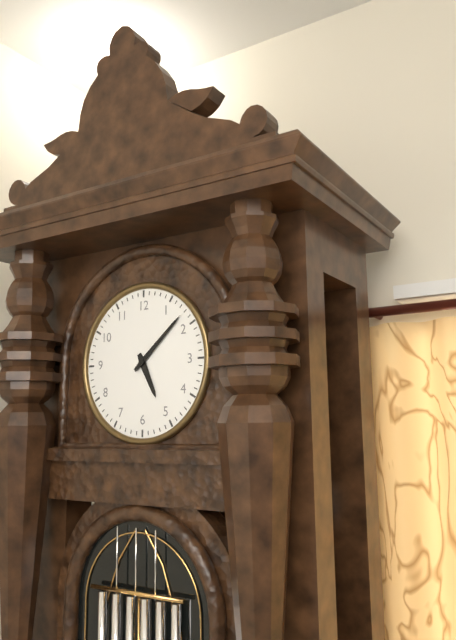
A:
**5:08**
